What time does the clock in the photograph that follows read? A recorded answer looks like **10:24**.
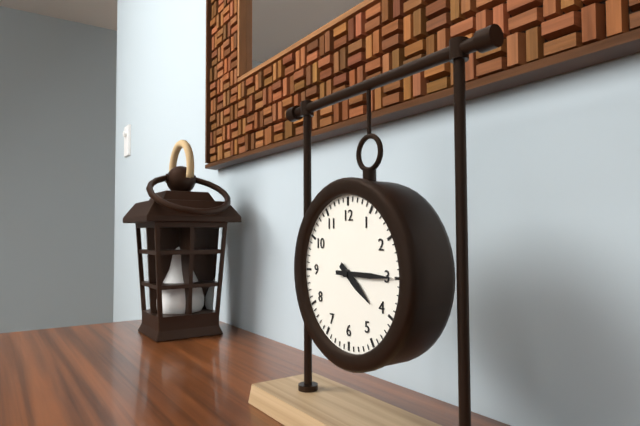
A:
**4:15**
